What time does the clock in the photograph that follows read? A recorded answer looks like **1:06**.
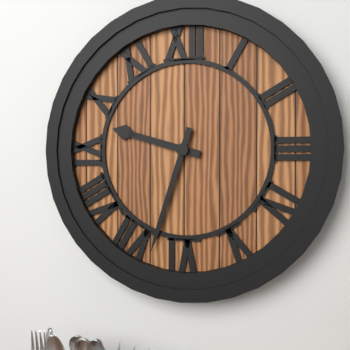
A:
**9:33**
